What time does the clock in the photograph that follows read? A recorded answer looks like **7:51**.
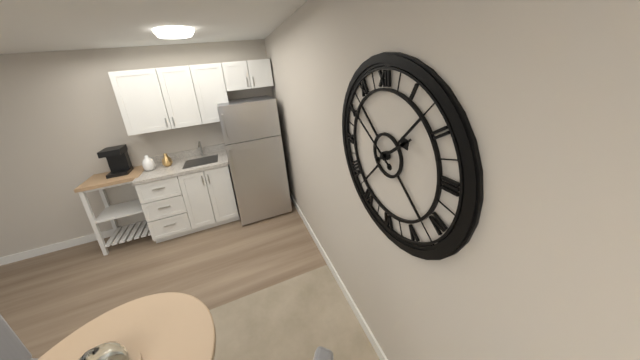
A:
**1:51**
